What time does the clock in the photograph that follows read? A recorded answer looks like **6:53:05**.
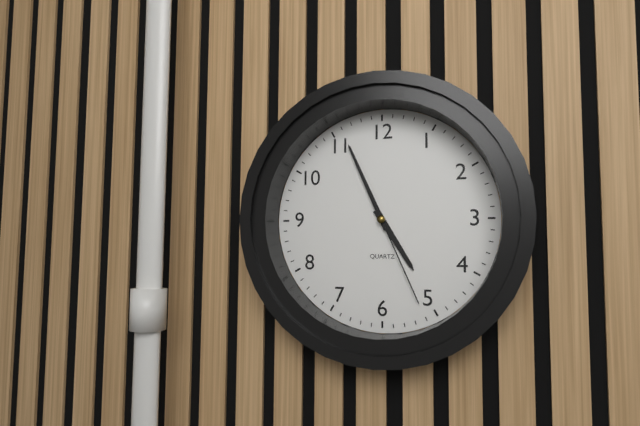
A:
**4:56:26**
